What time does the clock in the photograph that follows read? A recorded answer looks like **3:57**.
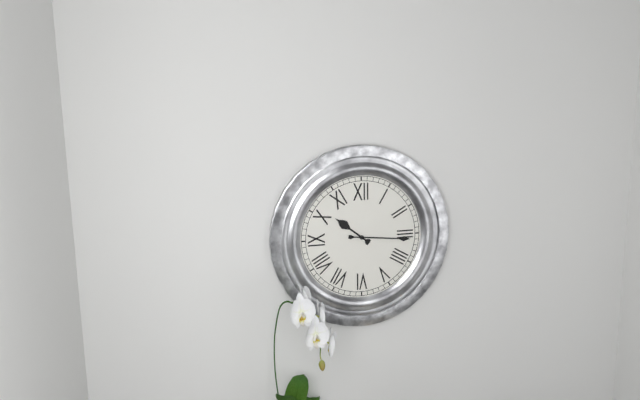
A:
**10:16**
